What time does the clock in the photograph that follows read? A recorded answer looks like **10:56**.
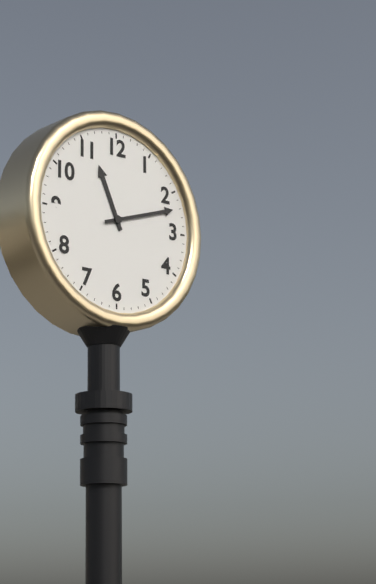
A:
**11:12**
